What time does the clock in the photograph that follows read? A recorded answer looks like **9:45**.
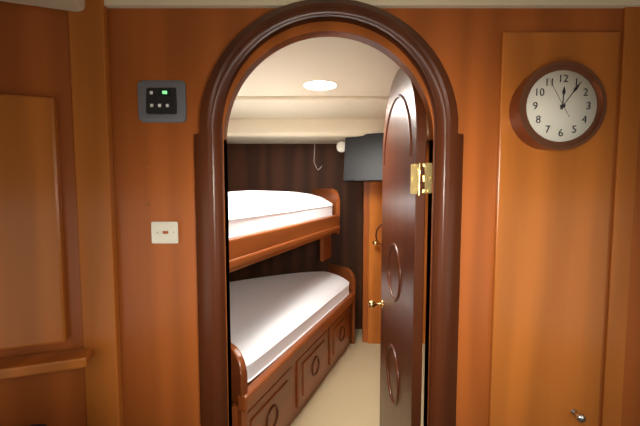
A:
**12:06**
